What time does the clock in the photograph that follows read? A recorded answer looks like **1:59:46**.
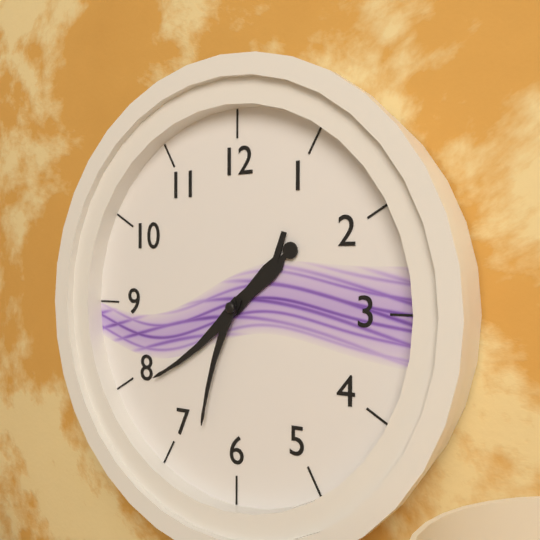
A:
**1:39:33**
